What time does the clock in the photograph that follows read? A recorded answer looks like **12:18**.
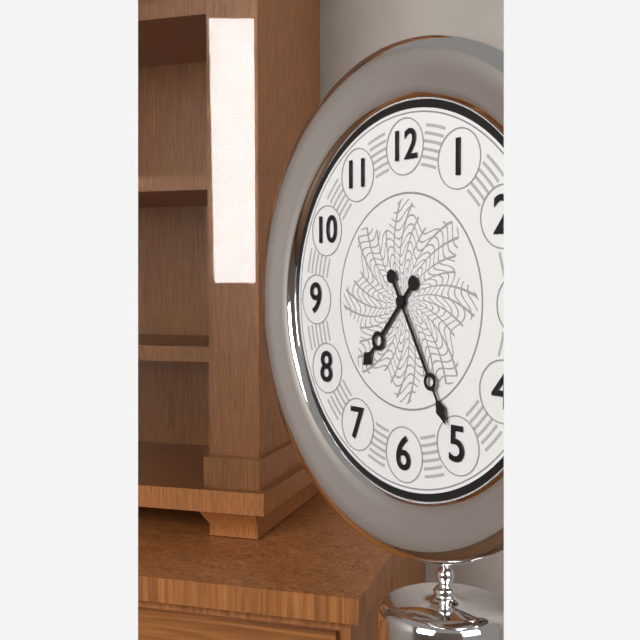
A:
**7:25**
